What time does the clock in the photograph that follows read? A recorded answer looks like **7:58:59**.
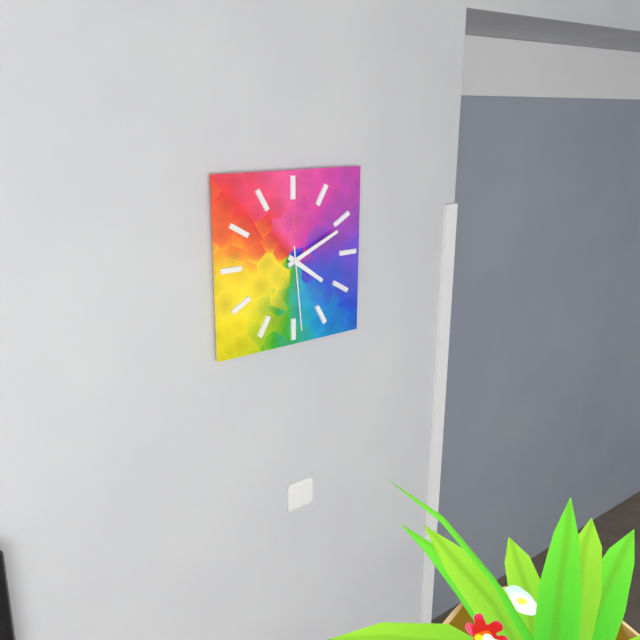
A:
**4:11:29**
